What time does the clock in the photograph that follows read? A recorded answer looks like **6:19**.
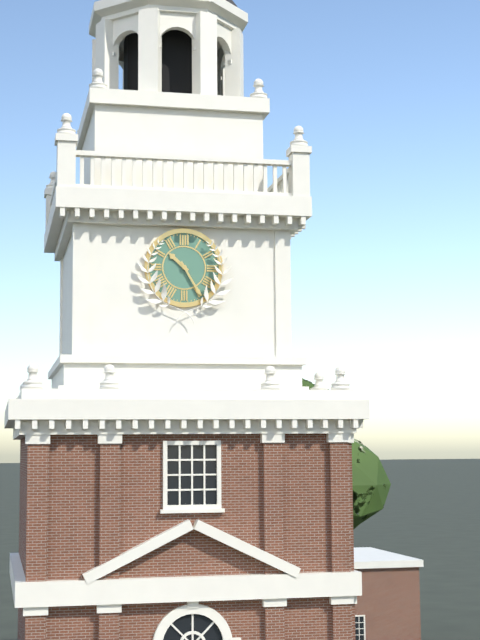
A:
**10:25**
